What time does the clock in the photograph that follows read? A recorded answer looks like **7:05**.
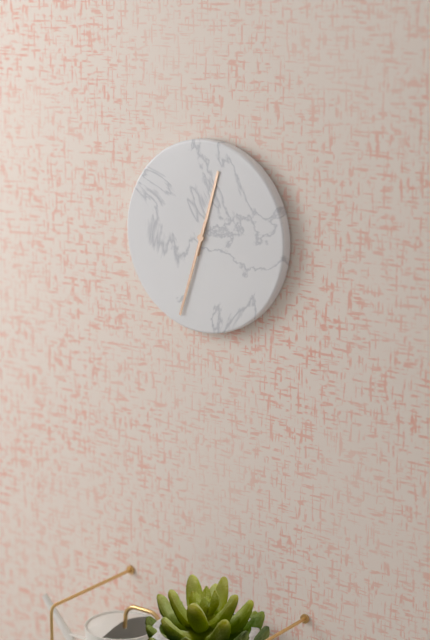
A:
**12:33**
